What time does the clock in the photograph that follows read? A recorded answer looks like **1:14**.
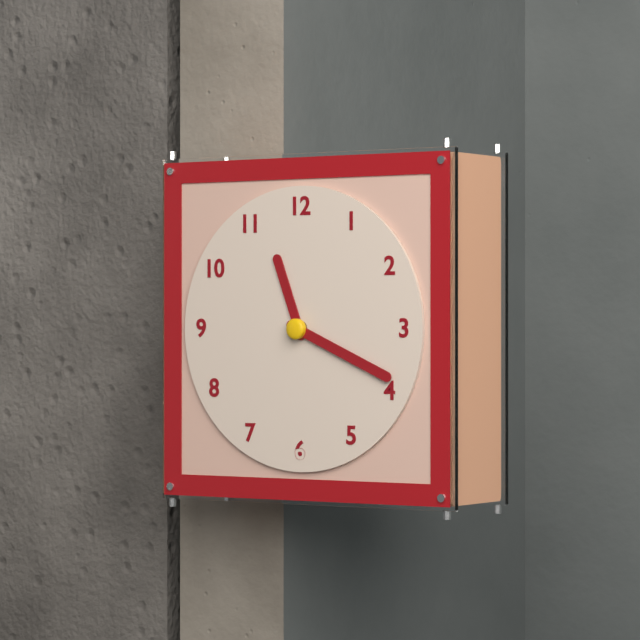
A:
**11:19**
